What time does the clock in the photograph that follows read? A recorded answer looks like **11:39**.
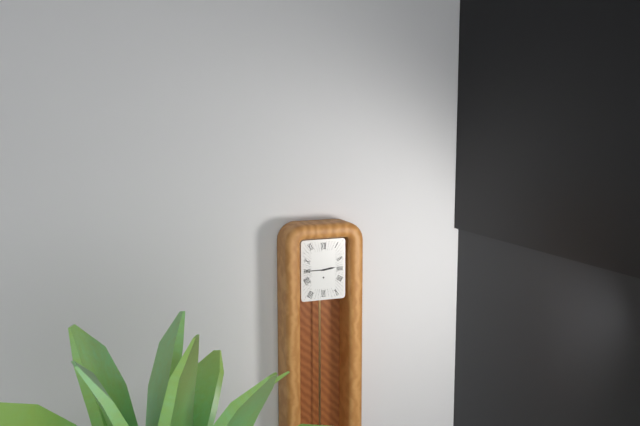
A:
**2:45**
